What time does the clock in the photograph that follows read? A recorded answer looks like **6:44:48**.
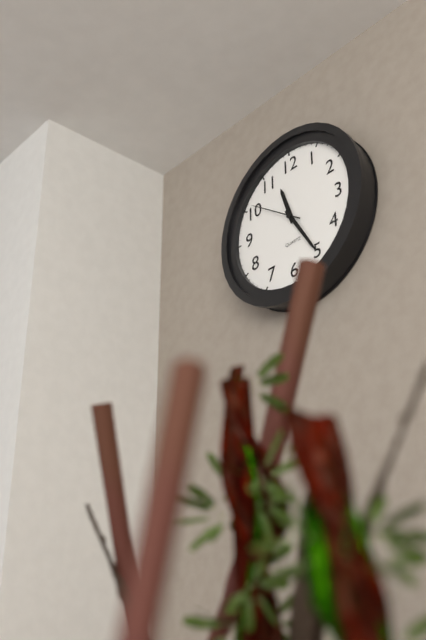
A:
**11:25:51**
